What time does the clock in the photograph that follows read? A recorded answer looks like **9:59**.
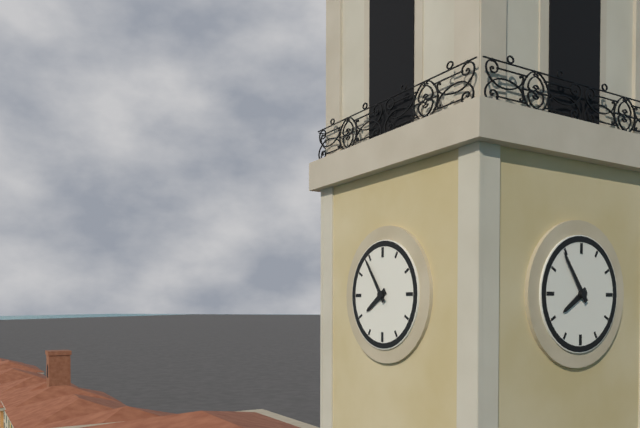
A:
**7:54**
